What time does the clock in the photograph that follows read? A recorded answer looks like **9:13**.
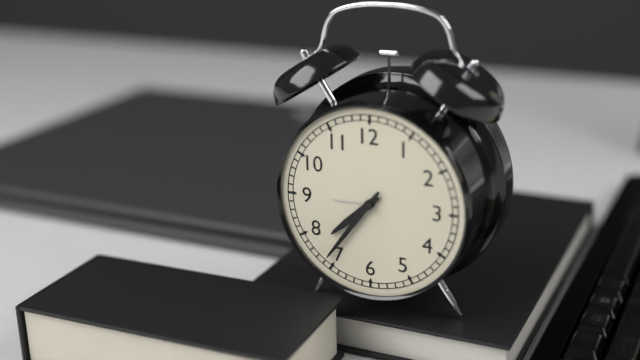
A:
**7:36**
